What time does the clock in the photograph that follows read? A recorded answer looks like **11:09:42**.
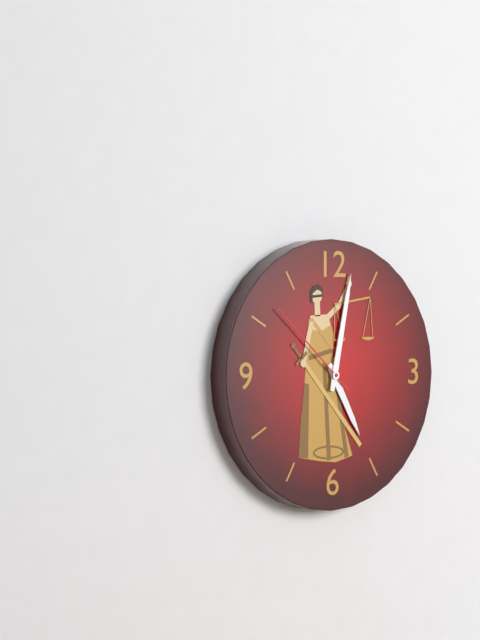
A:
**5:02:52**
